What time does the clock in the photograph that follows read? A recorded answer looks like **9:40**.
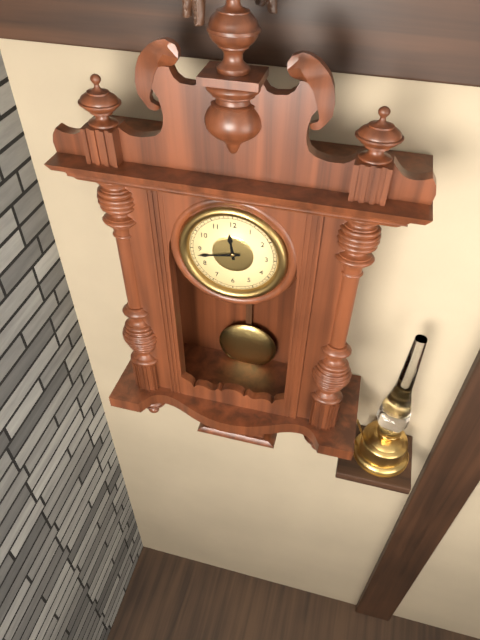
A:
**11:43**
